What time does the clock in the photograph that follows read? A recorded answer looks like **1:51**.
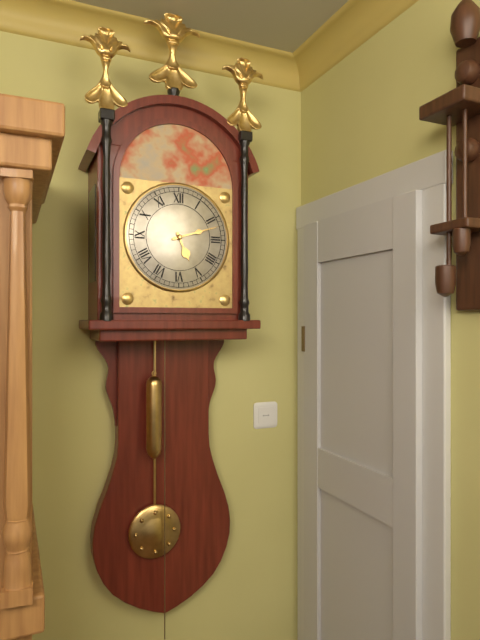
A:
**5:12**
